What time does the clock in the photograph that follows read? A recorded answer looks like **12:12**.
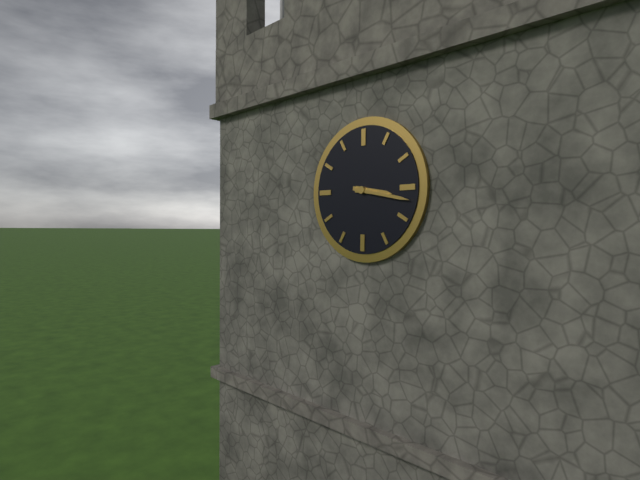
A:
**3:17**
